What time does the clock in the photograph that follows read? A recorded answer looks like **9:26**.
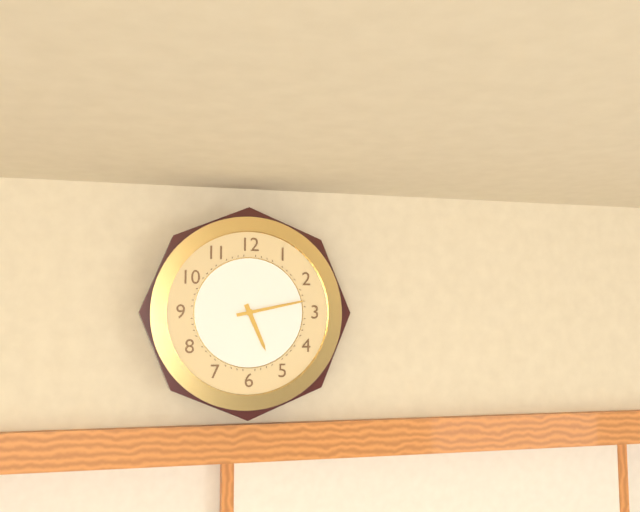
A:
**5:13**
